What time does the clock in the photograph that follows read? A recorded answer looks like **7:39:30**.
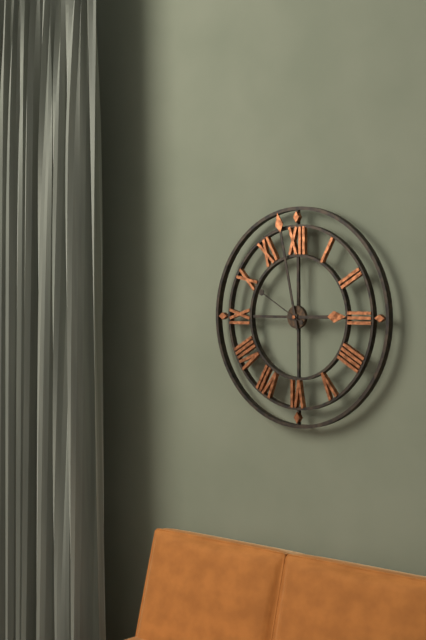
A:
**2:58:50**
